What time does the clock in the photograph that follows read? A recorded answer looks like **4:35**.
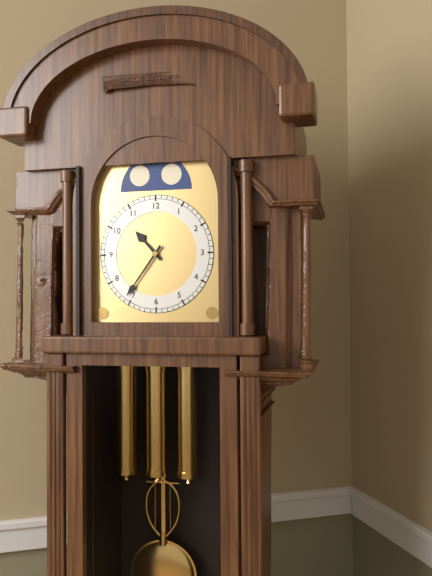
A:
**10:36**
